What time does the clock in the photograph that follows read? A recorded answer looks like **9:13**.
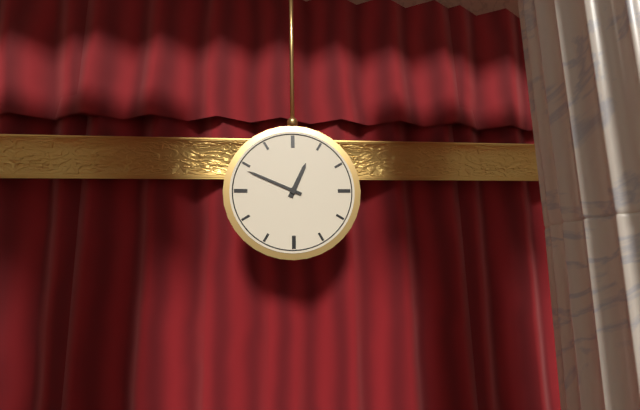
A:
**12:49**
